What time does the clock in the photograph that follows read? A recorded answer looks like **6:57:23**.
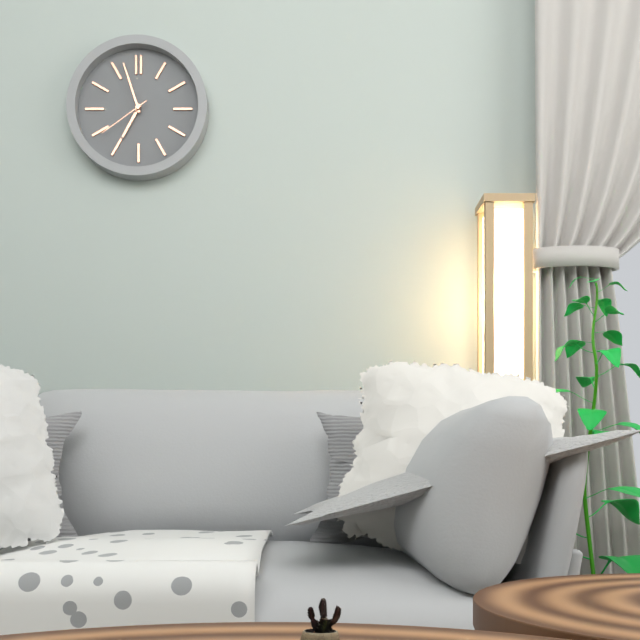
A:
**6:57:39**
